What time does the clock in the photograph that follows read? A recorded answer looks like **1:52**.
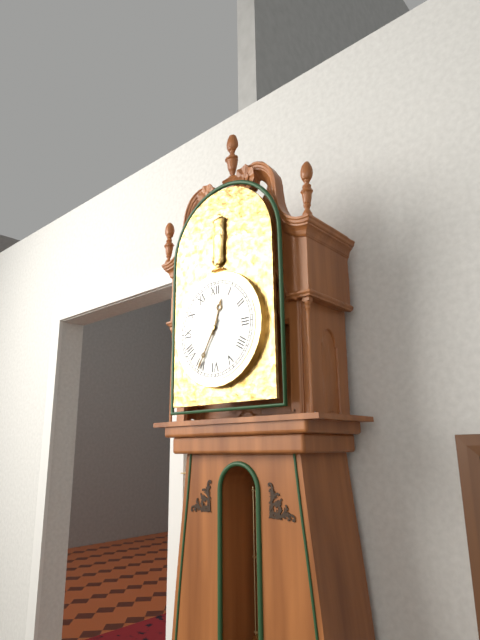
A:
**12:35**
